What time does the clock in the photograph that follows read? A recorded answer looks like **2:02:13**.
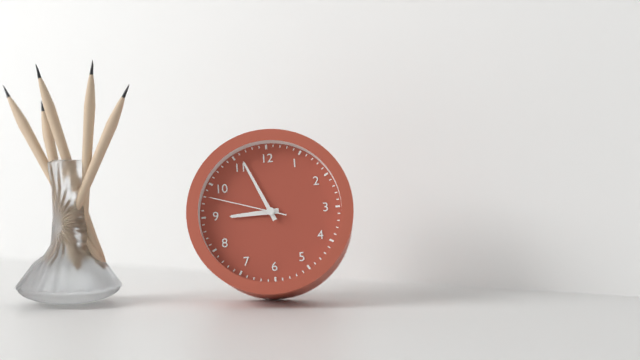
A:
**8:56:48**
